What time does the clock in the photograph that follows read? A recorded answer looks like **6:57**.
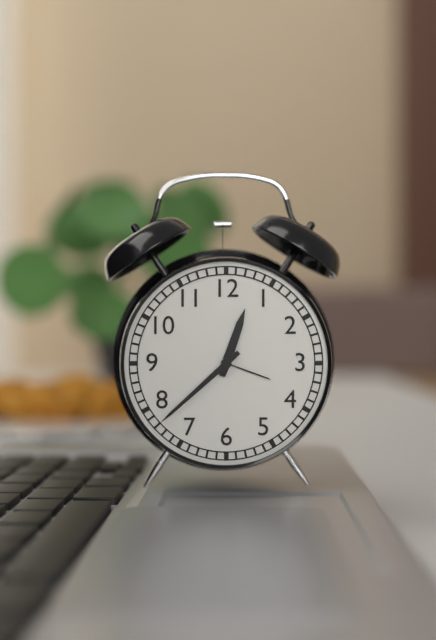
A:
**12:38**
